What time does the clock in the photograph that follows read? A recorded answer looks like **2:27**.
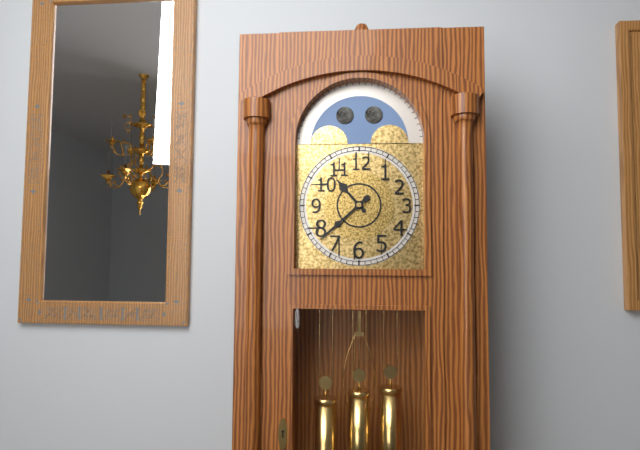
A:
**10:38**
